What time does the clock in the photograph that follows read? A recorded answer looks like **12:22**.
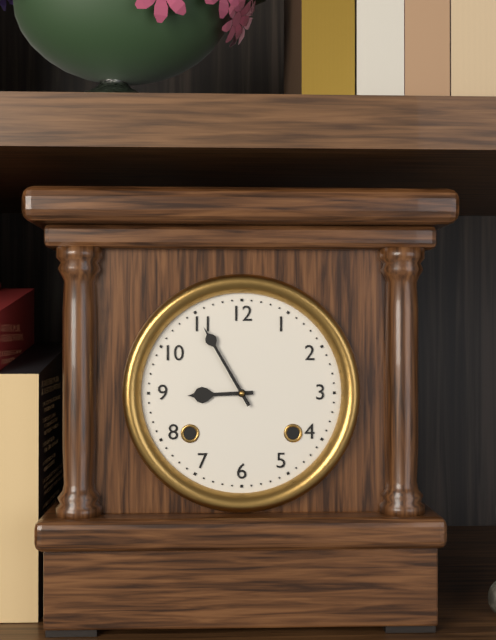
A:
**8:55**
